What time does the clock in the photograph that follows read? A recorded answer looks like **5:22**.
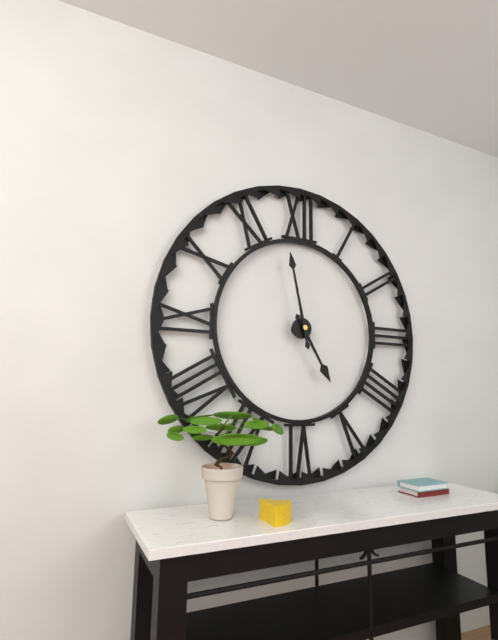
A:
**4:58**
